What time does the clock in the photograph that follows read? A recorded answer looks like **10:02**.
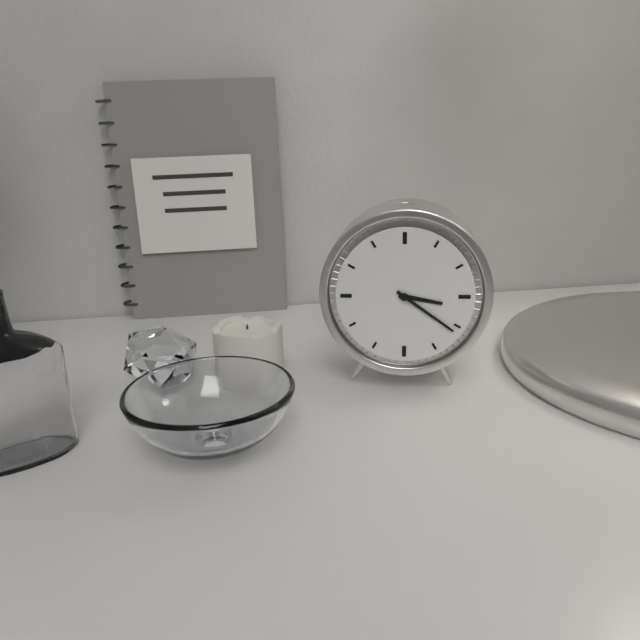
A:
**3:21**
